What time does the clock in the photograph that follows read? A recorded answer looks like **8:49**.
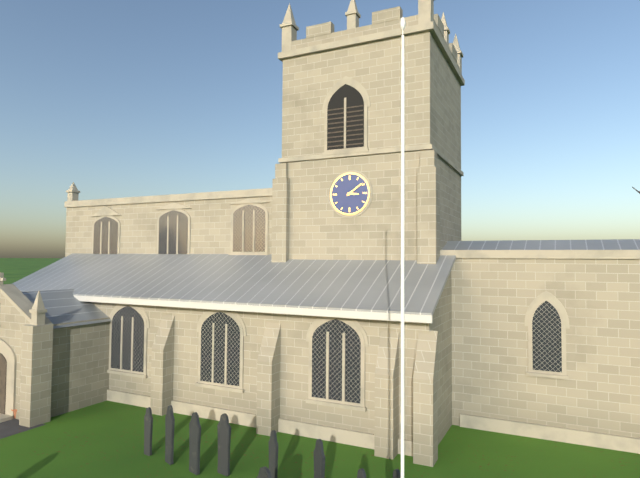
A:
**3:09**
